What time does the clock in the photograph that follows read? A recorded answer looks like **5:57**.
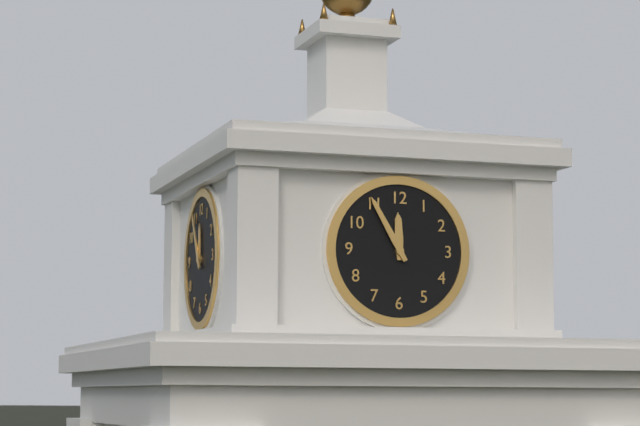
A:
**11:55**
